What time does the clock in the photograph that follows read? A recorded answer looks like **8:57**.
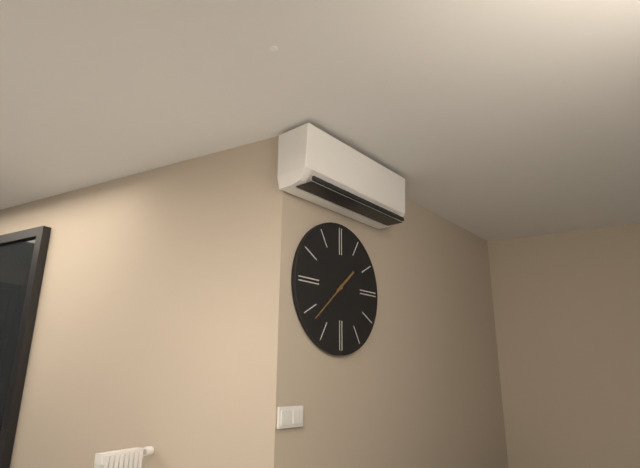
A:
**1:38**
